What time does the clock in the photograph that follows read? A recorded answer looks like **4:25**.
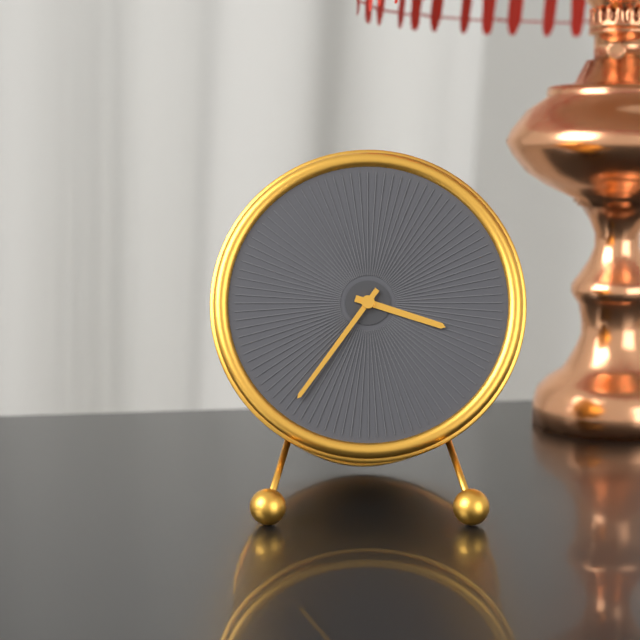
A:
**3:36**
